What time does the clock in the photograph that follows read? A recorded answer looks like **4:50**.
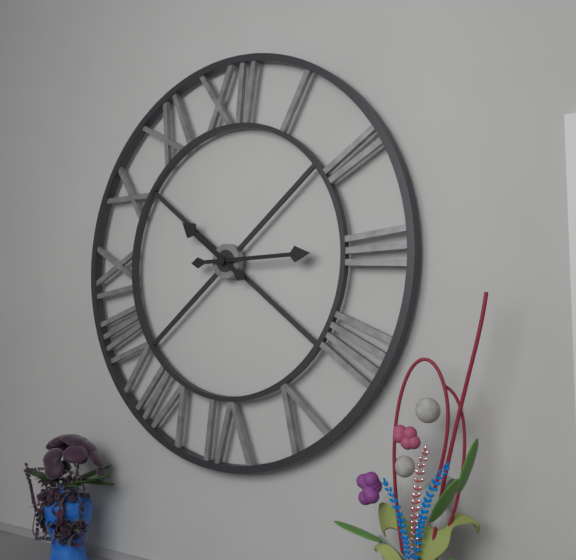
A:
**10:15**
